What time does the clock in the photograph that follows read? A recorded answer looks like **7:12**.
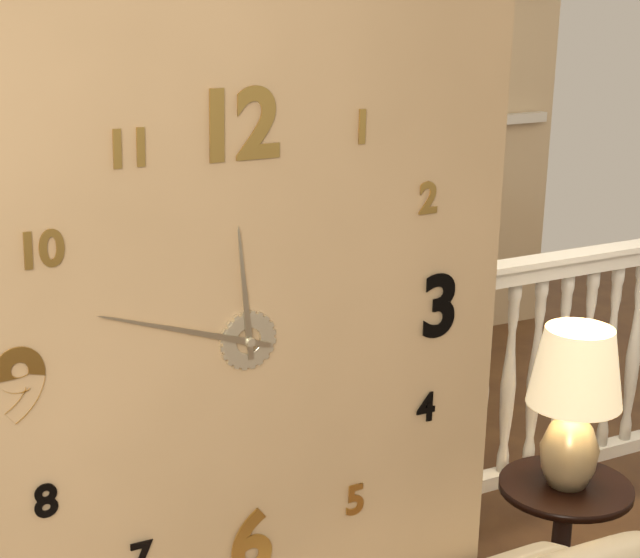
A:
**11:48**
